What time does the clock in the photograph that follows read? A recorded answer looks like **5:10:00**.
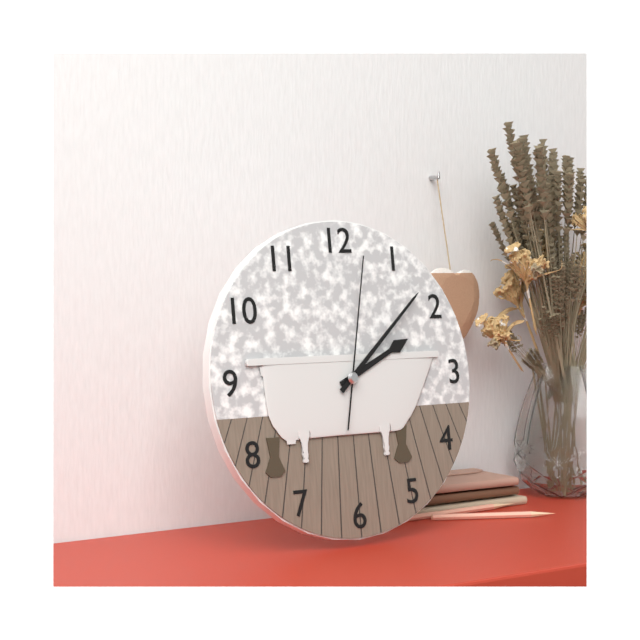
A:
**2:08:02**
